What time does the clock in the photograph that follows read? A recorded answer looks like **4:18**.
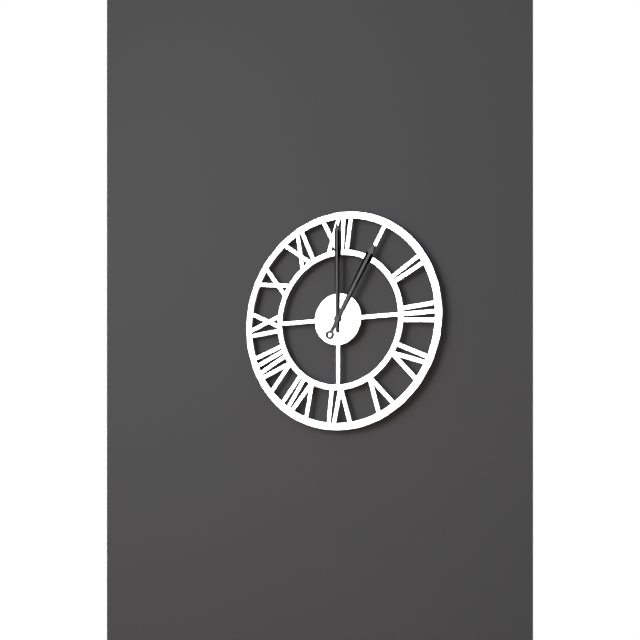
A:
**1:00**
